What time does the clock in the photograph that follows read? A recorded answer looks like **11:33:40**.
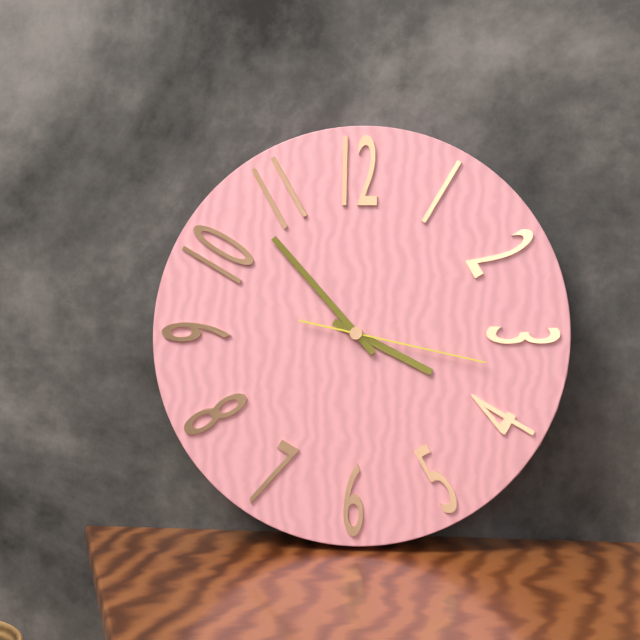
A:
**3:53:17**
